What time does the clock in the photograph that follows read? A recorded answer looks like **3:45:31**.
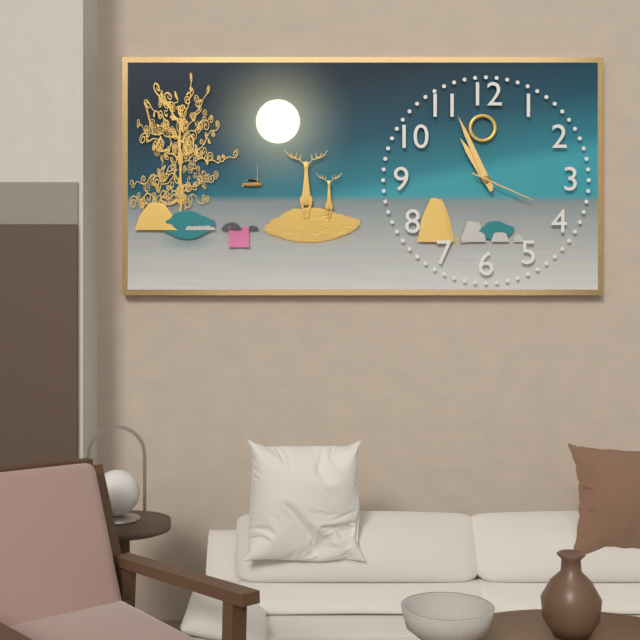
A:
**10:56:19**
